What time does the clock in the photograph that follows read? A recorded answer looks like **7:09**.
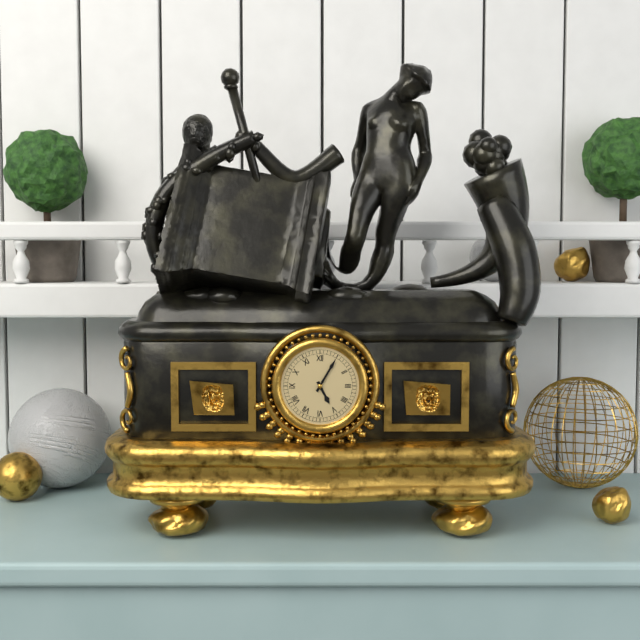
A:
**5:05**
